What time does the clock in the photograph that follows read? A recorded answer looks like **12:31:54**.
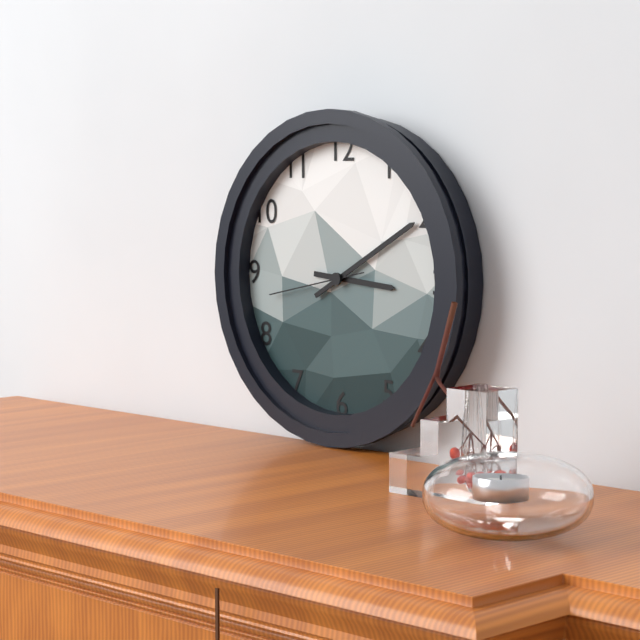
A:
**3:10:43**
